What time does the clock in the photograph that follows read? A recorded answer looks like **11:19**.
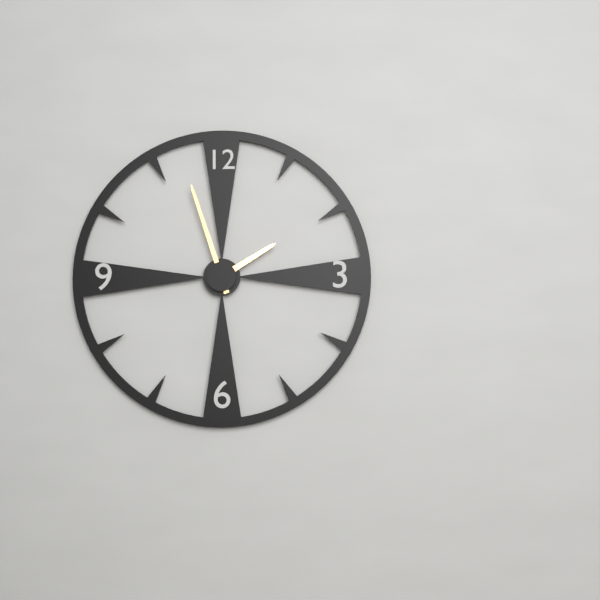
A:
**1:57**
